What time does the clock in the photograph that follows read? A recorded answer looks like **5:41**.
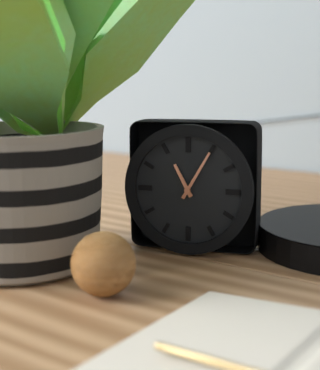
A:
**11:05**
